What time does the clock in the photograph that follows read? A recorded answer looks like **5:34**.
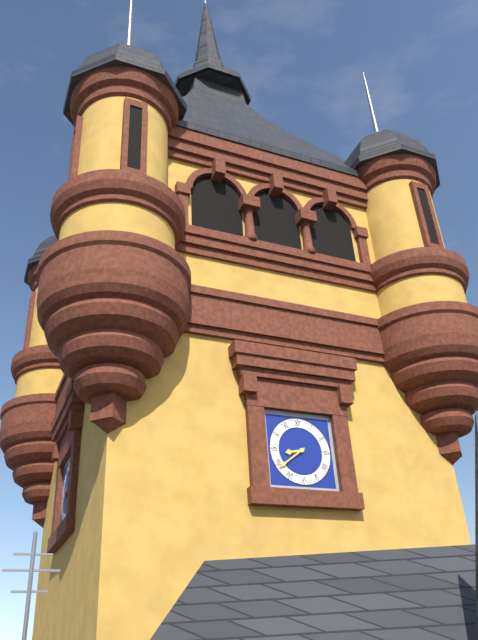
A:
**8:39**
